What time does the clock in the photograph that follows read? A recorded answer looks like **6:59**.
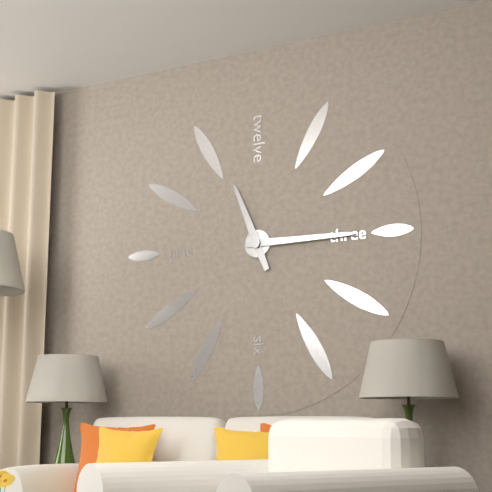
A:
**11:15**
